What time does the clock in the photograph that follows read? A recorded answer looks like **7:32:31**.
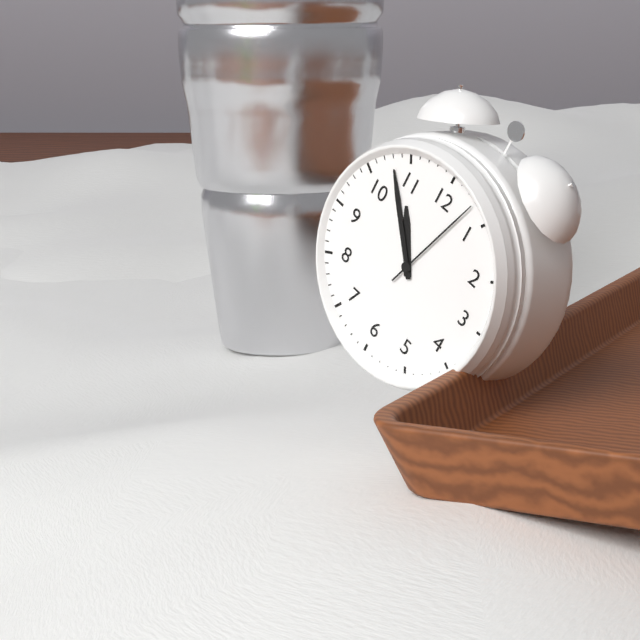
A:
**10:53:03**
